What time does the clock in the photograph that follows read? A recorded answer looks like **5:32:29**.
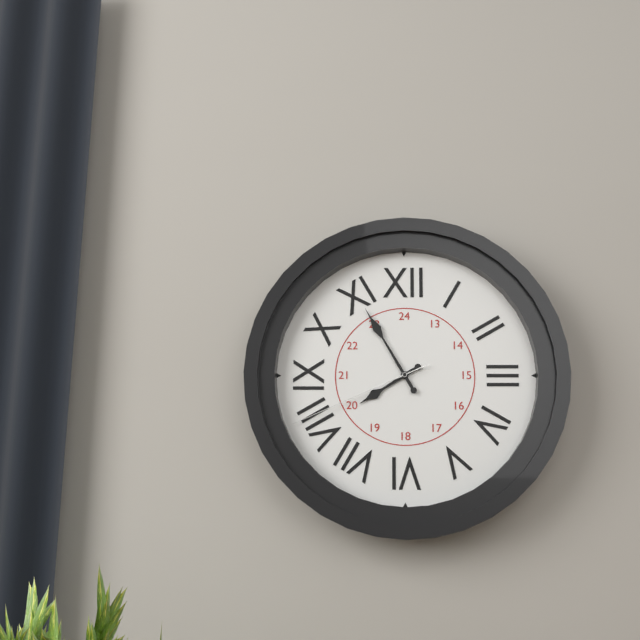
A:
**7:55:41**
